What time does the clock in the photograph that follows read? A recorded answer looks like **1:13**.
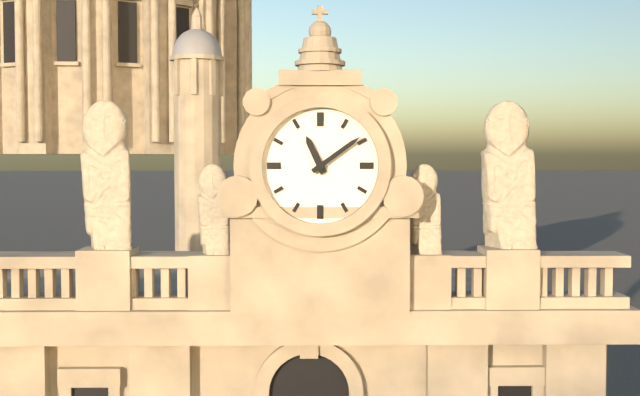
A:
**11:09**
